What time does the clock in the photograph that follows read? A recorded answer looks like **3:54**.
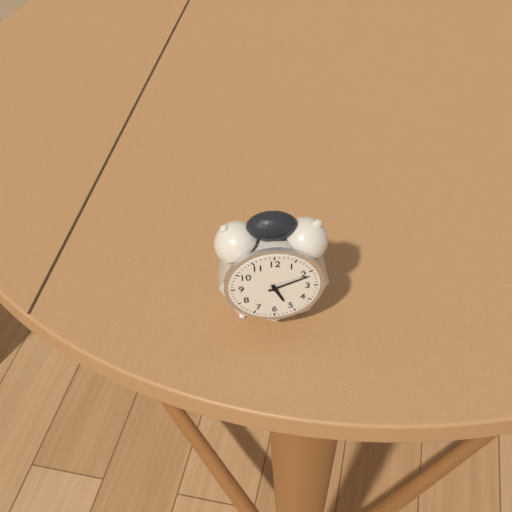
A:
**5:11**
